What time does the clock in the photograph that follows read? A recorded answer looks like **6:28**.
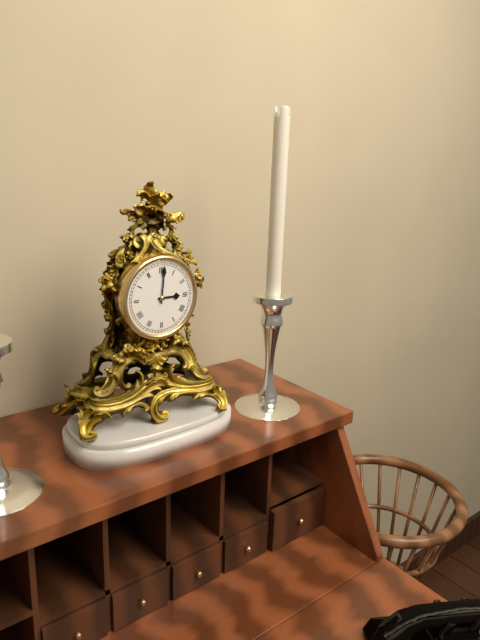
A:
**3:01**
